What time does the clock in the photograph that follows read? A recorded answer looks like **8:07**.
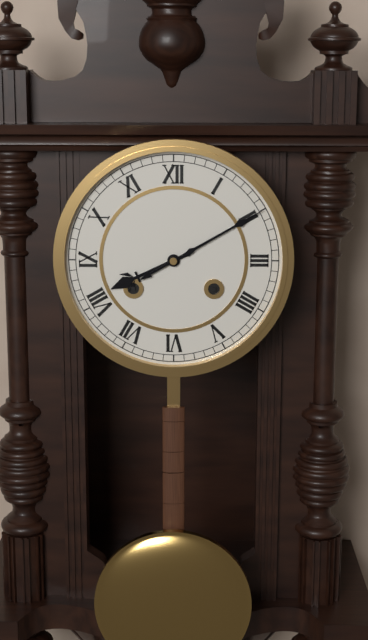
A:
**8:10**
